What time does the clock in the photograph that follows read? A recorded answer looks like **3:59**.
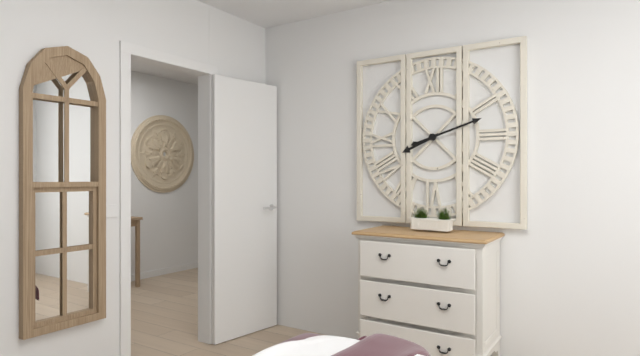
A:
**8:12**
